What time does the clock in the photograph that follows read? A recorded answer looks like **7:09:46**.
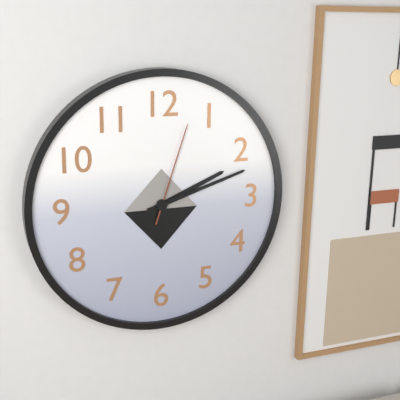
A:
**2:12:03**
